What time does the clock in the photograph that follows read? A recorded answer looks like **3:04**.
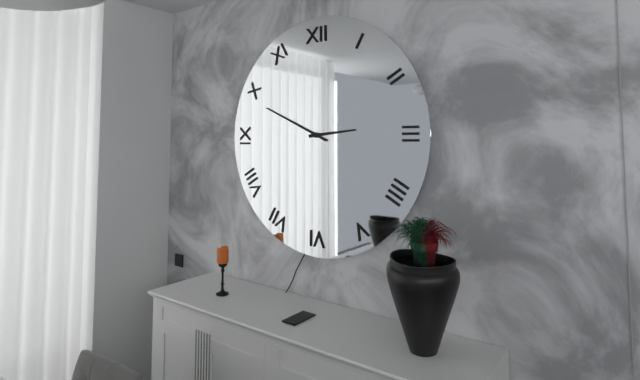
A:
**2:49**
